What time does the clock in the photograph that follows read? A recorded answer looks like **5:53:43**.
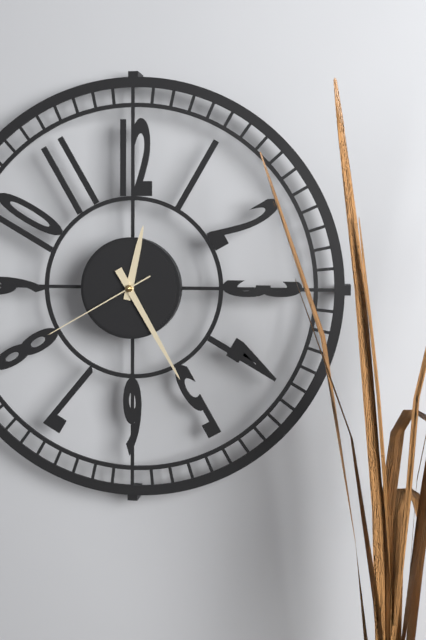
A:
**12:25:40**
